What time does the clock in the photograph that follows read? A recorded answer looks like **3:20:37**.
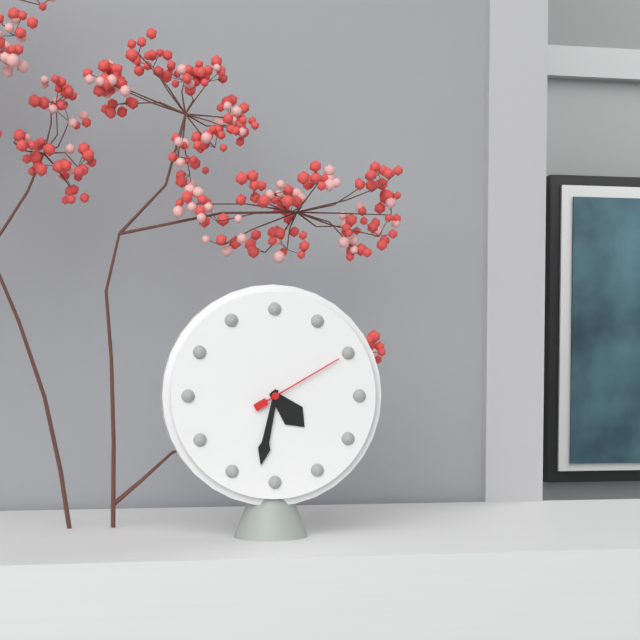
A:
**4:32:10**
